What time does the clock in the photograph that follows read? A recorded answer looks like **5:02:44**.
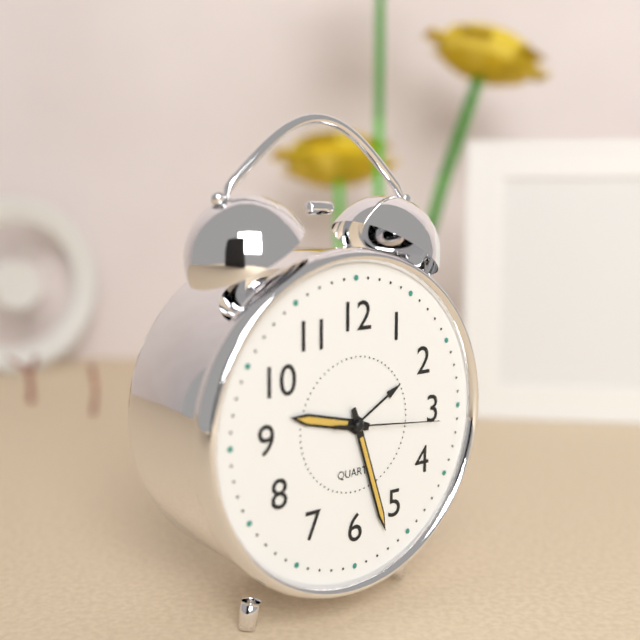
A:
**9:27:16**
